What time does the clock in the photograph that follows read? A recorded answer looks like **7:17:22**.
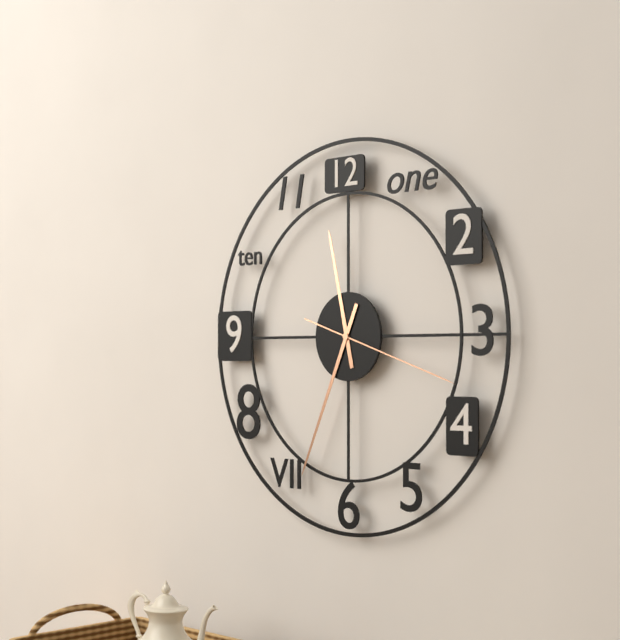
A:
**11:34:18**
